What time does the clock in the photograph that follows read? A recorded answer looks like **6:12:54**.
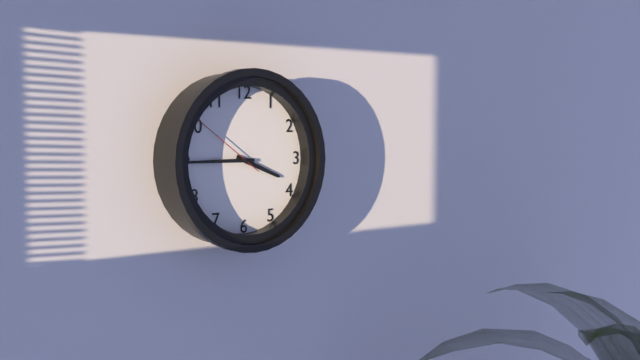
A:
**3:45:51**
